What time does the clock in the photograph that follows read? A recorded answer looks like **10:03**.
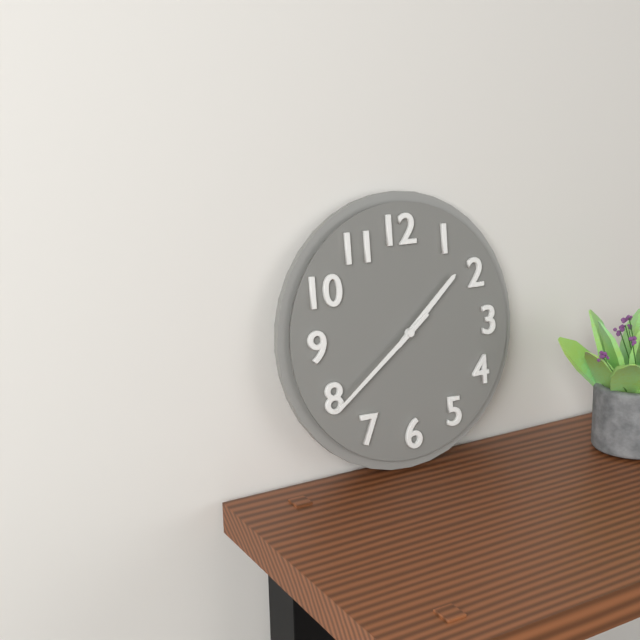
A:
**1:39**
